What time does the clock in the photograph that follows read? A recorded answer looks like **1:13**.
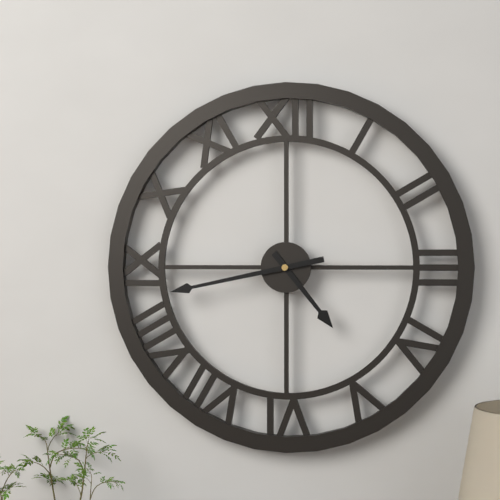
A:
**4:43**
